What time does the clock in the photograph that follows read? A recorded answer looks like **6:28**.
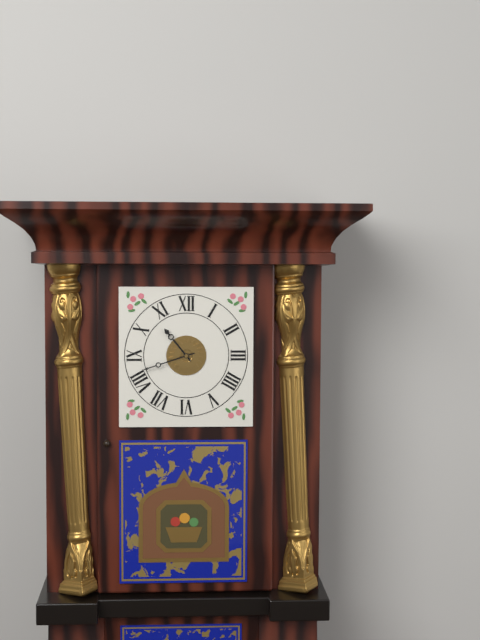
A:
**10:42**
